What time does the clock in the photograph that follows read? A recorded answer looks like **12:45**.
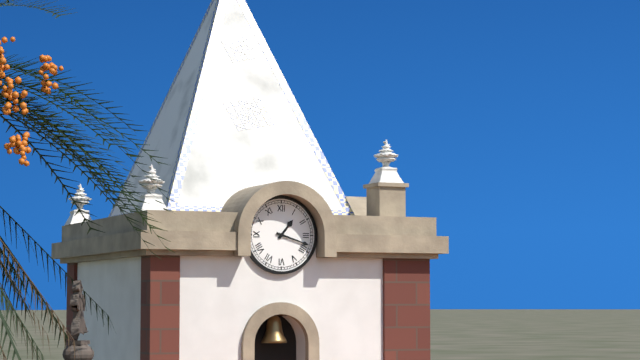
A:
**1:18**
